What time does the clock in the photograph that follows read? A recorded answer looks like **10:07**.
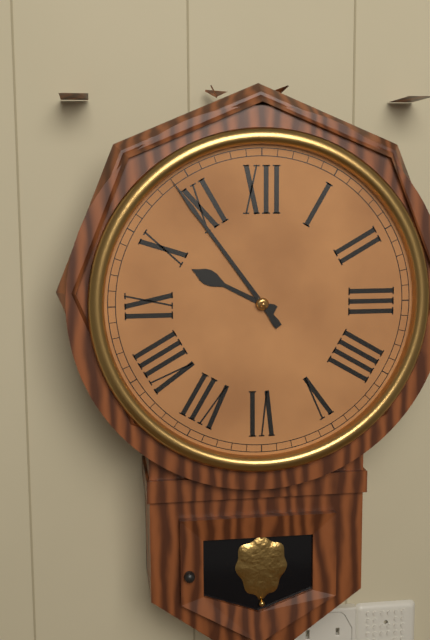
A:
**9:54**
